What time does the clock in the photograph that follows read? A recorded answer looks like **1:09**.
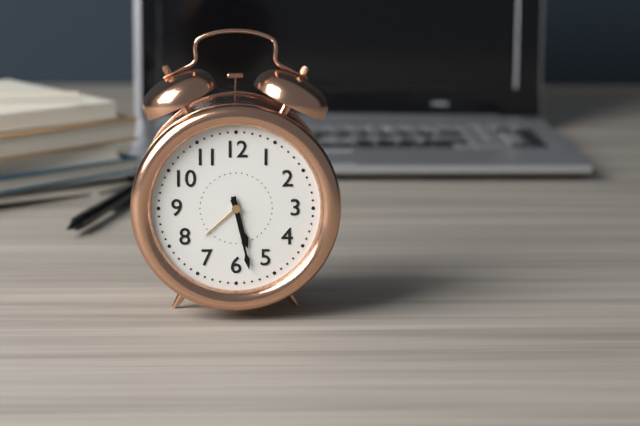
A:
**5:28**
